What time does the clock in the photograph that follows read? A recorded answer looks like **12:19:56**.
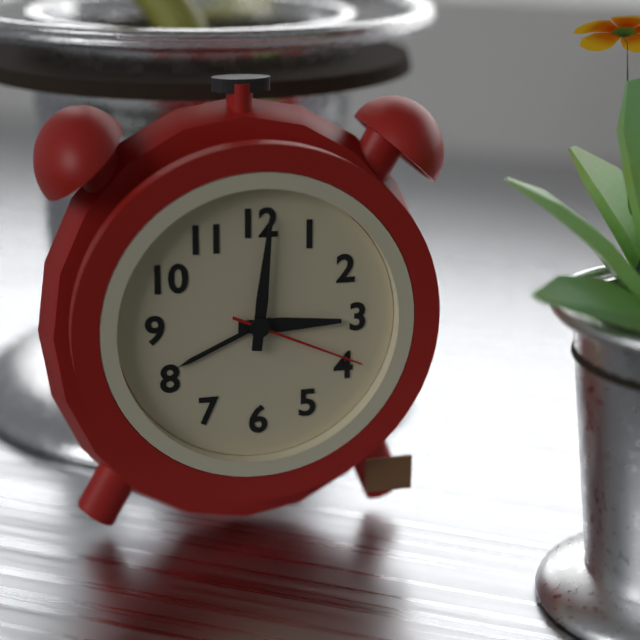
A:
**3:01:19**
